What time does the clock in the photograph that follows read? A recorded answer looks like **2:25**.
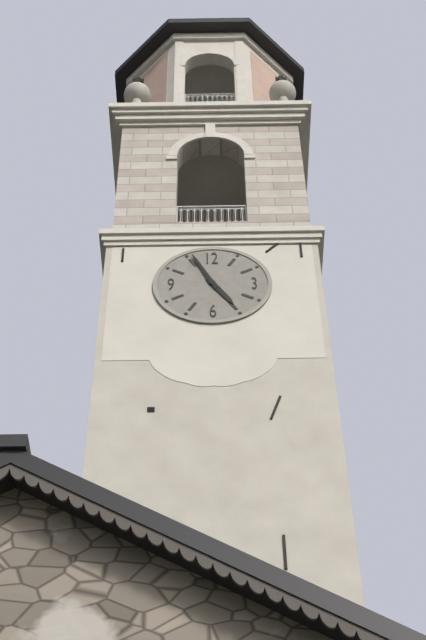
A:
**4:56**
